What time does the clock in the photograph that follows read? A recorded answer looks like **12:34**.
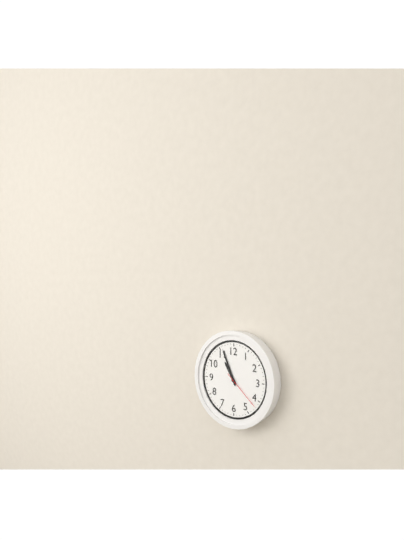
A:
**10:56**
